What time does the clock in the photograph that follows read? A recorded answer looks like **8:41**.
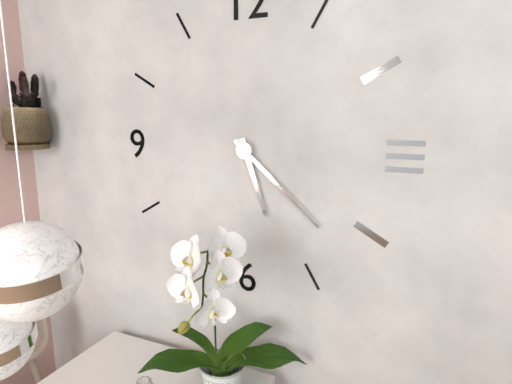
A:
**5:22**
